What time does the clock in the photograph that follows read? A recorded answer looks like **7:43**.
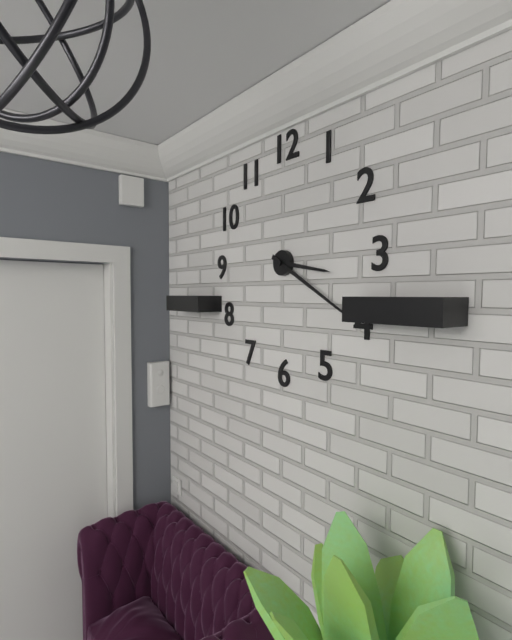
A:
**3:20**
